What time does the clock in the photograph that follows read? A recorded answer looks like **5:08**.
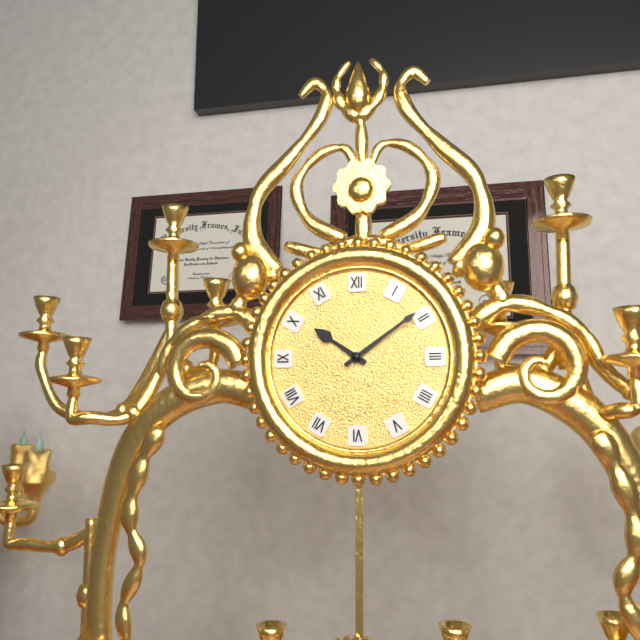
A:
**10:09**
